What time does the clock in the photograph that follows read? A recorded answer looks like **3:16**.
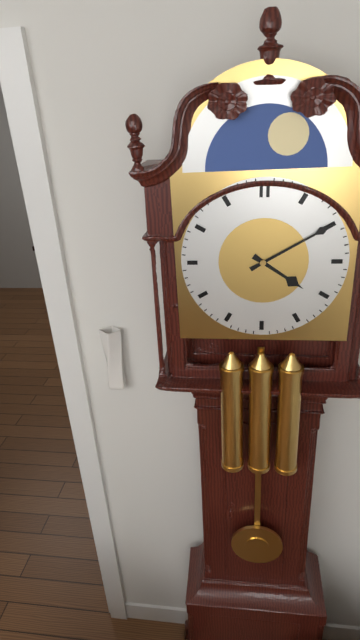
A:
**4:10**
